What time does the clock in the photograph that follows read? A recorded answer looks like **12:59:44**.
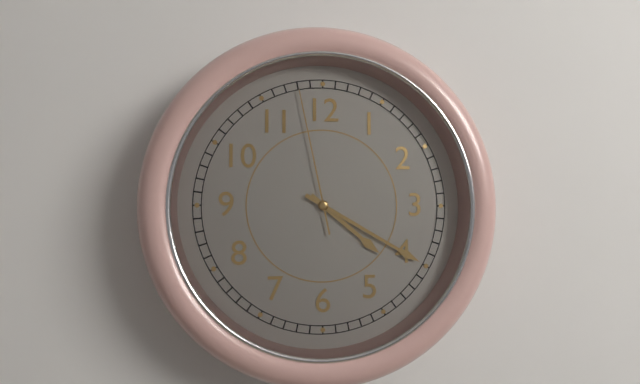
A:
**4:20:58**
